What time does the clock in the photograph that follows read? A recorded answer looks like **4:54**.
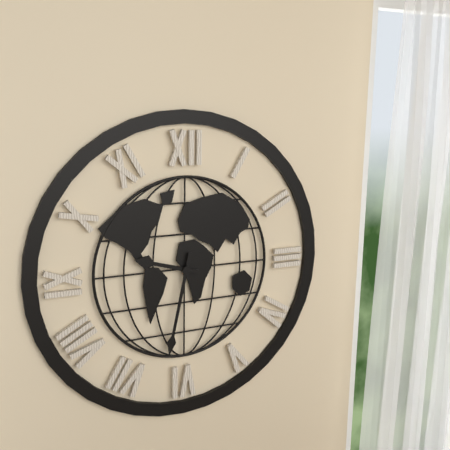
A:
**9:32**
